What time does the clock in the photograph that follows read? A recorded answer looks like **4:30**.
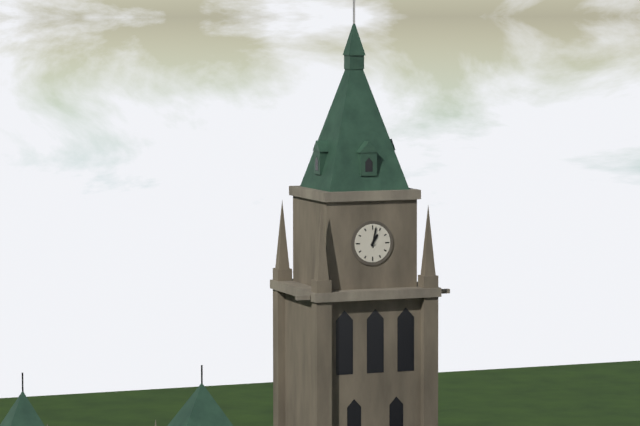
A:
**1:02**
